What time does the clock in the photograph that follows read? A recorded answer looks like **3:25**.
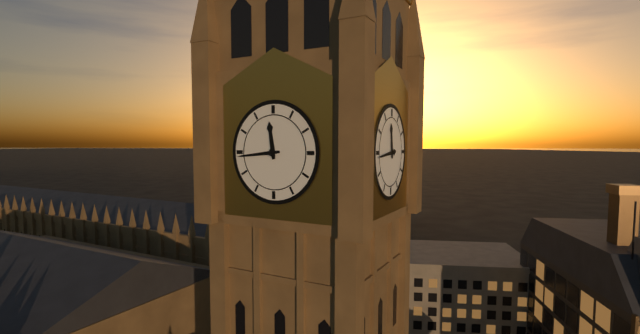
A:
**11:44**
